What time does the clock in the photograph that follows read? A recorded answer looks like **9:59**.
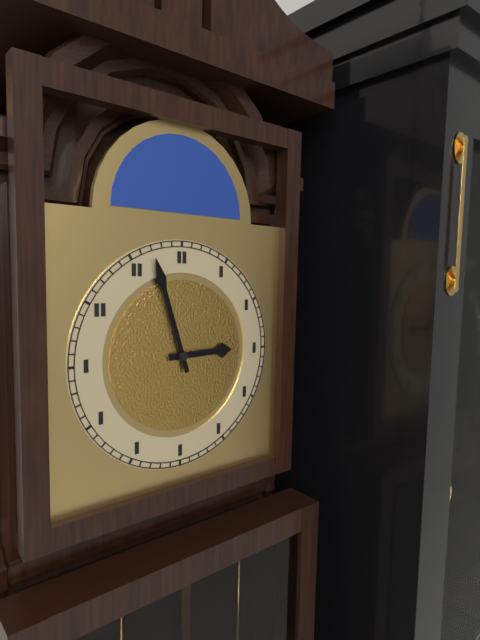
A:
**2:57**
